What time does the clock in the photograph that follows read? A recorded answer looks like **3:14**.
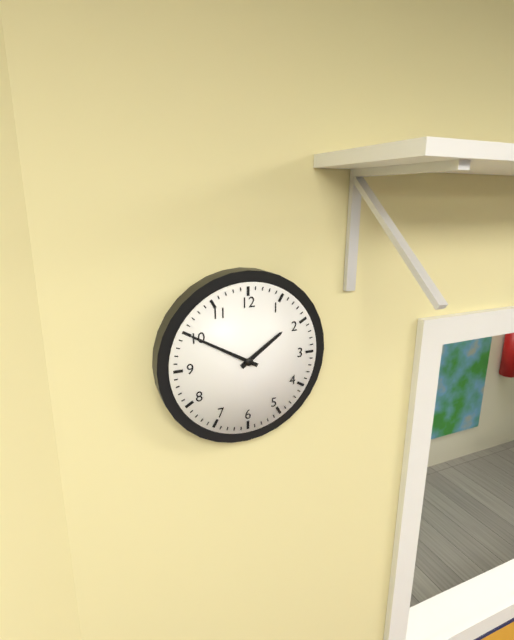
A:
**1:50**
